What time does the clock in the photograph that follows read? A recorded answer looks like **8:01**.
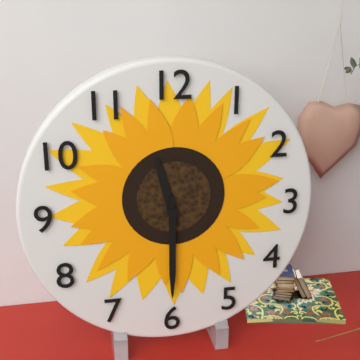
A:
**11:30**
